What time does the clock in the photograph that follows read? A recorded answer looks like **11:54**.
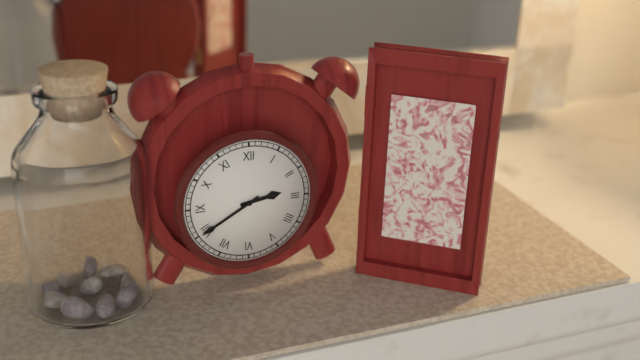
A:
**2:40**
